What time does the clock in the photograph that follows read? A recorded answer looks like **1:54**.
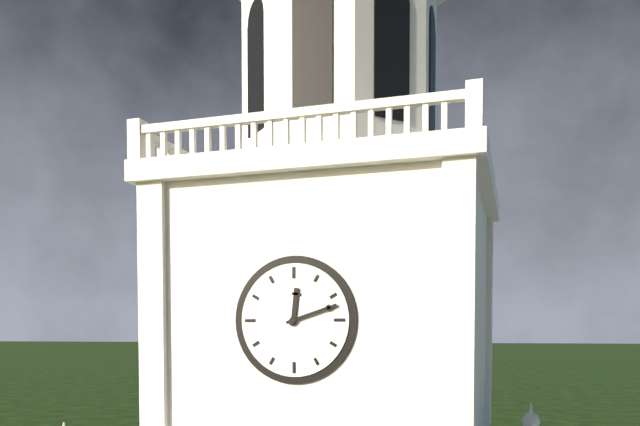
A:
**12:12**
